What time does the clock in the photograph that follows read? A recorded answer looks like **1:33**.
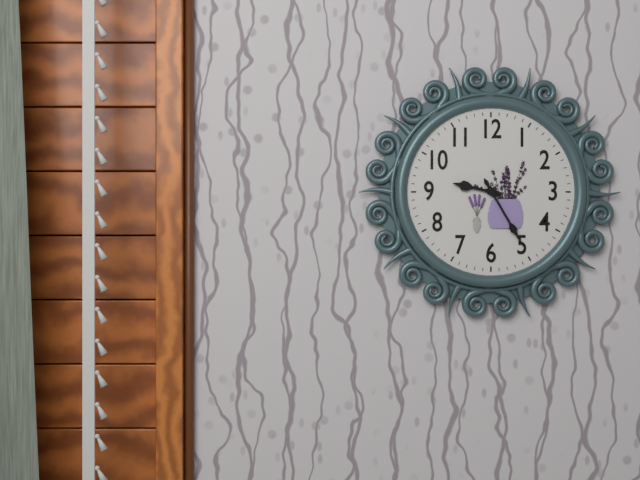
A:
**9:25**
